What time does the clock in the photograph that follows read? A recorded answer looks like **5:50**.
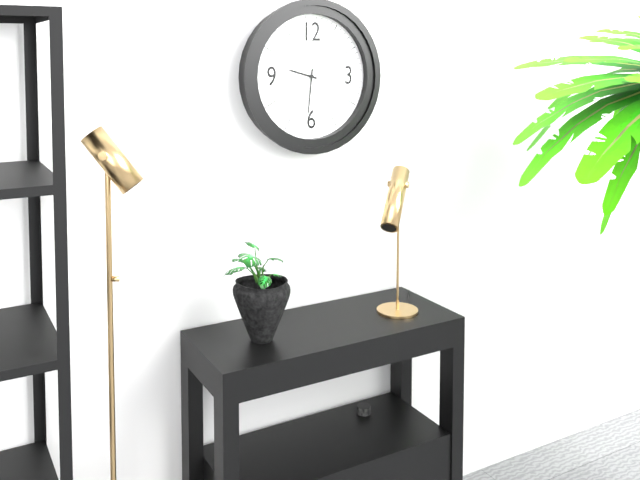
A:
**9:31**
